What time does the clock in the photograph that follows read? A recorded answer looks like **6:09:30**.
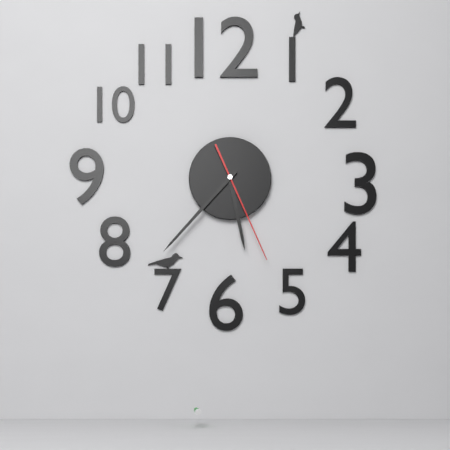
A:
**5:37:26**
